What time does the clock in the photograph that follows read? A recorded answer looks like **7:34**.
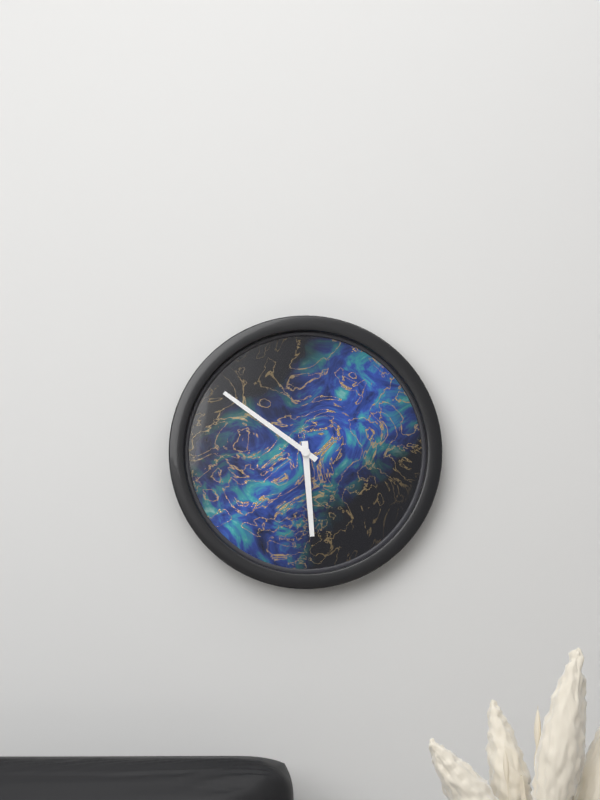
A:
**5:51**
